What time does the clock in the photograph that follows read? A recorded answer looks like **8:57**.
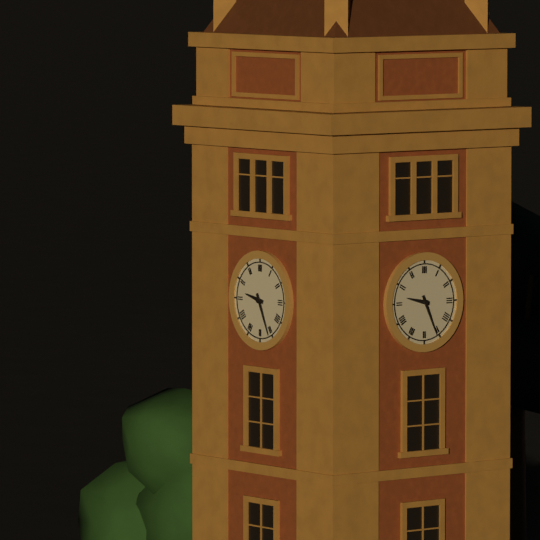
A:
**9:26**
